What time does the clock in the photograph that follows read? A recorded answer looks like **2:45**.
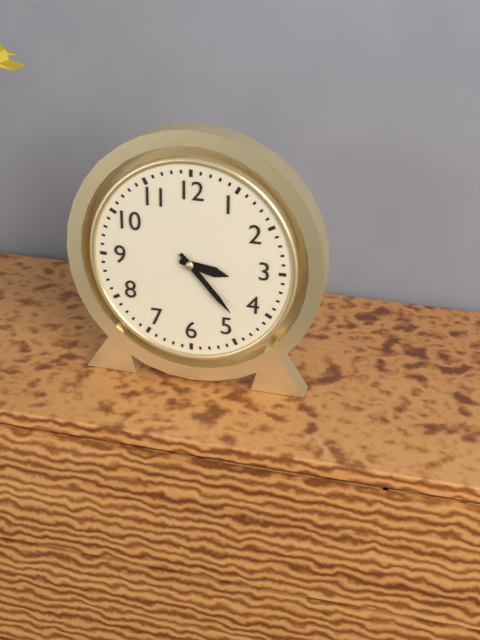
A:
**3:23**
